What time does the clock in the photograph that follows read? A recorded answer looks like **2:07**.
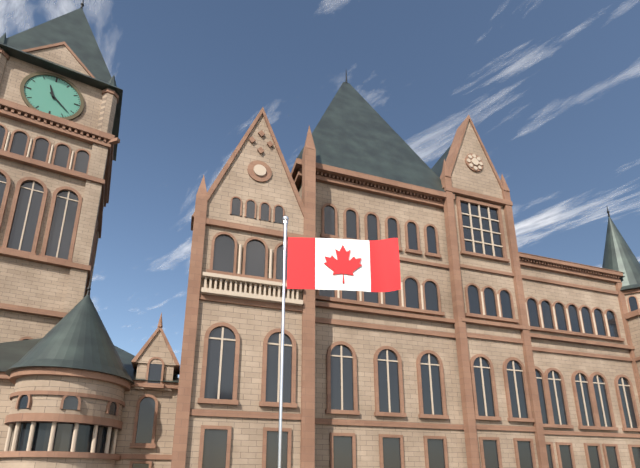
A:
**11:22**
